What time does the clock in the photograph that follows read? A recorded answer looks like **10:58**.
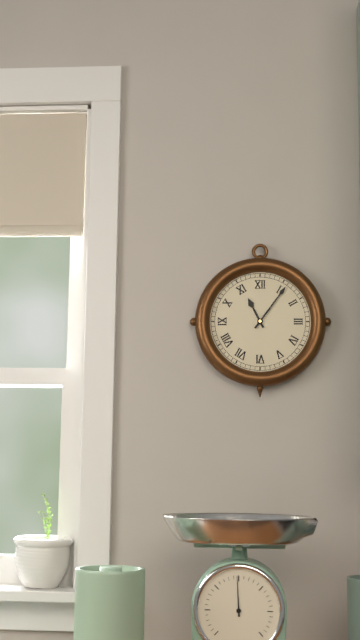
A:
**11:06**
